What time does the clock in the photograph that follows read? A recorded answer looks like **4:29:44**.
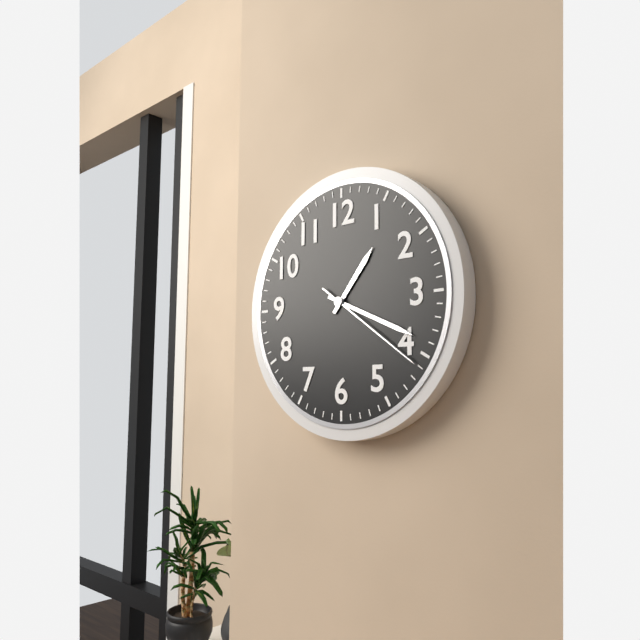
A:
**1:19:21**
